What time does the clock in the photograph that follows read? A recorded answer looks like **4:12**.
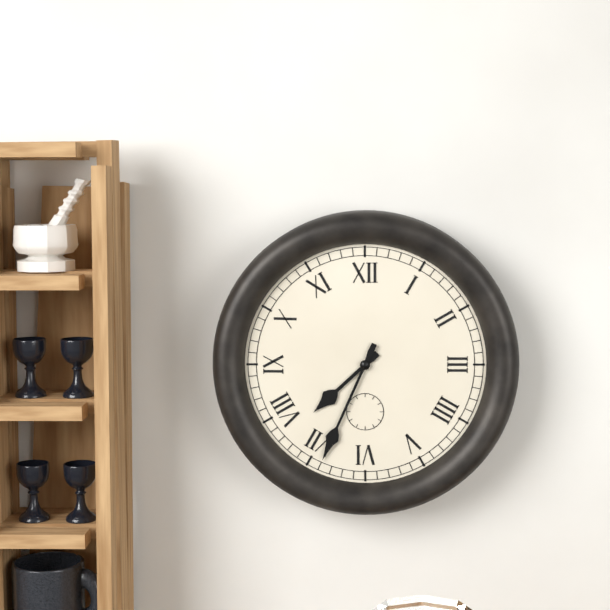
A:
**7:34**
